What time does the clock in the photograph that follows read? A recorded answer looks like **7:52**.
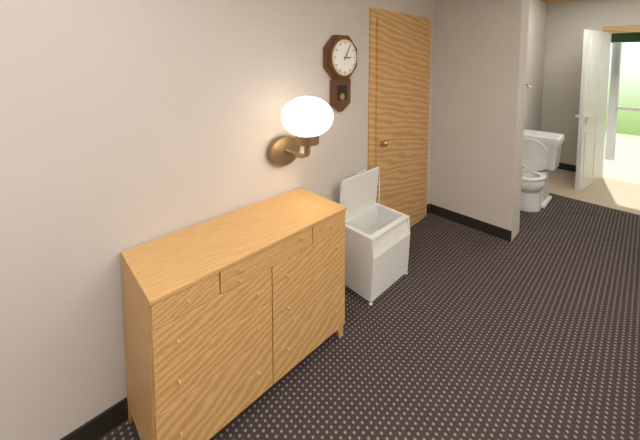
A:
**3:05**
